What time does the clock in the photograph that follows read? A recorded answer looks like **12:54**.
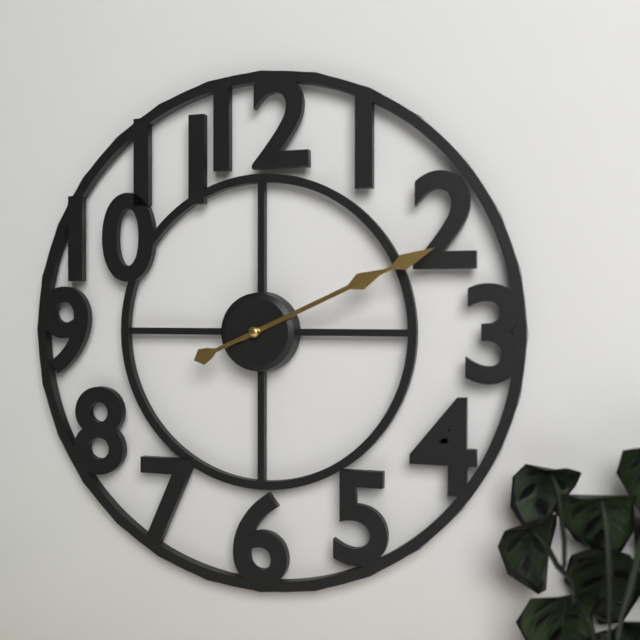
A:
**2:11**
